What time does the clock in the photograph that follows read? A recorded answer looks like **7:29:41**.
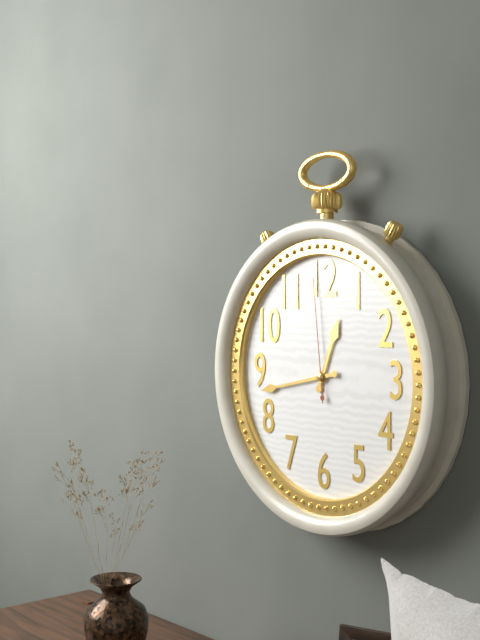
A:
**12:43:59**
